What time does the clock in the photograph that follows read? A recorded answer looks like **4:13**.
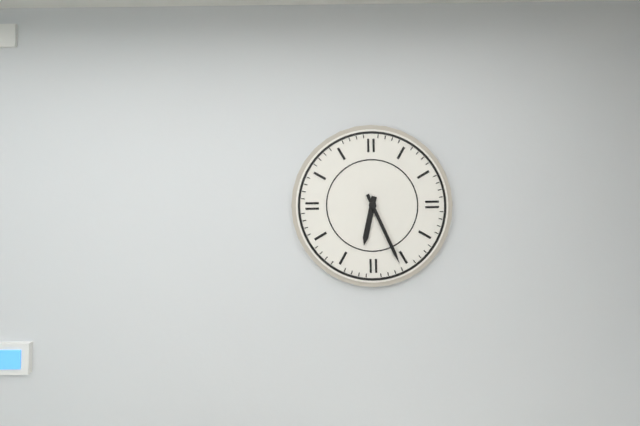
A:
**6:26**
